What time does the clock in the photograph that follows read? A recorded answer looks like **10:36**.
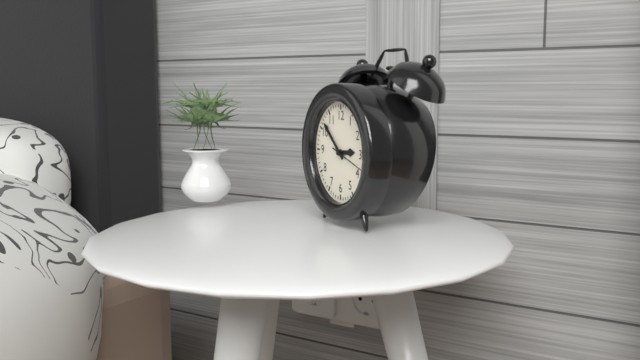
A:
**2:52**
